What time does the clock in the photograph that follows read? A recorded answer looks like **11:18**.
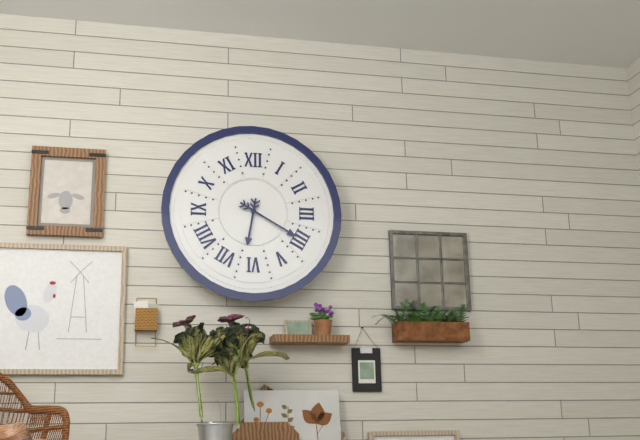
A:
**6:20**
